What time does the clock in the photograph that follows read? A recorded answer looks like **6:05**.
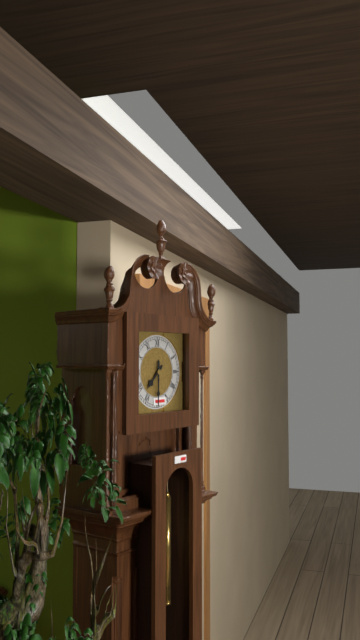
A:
**7:30**
